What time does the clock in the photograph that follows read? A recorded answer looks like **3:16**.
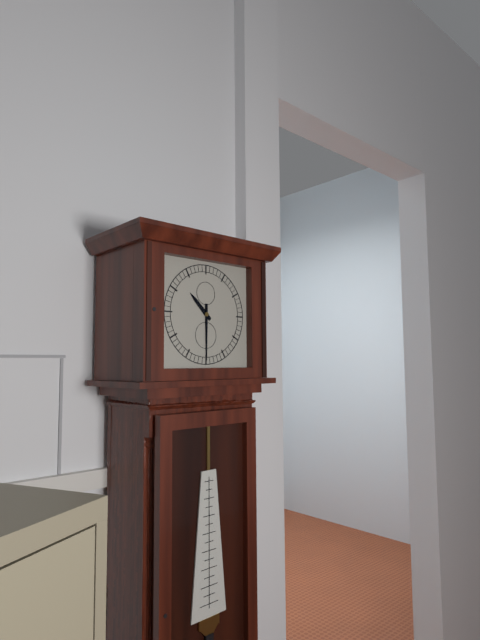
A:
**10:30**
